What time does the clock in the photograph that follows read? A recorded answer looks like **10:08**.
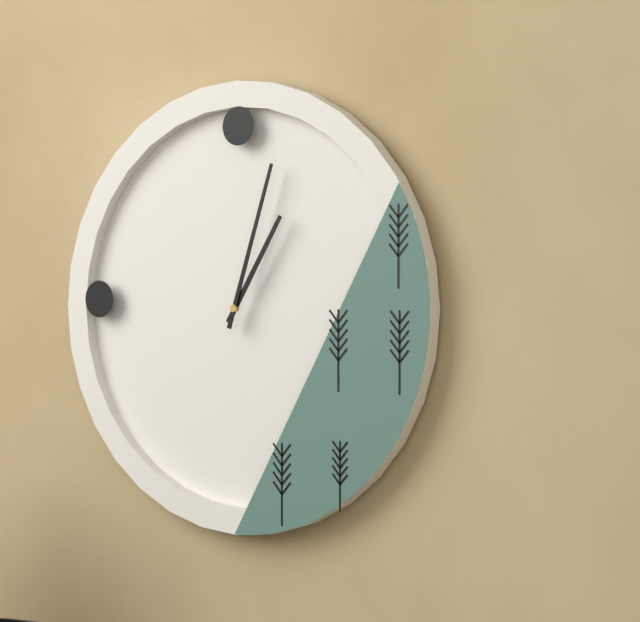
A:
**1:03**
